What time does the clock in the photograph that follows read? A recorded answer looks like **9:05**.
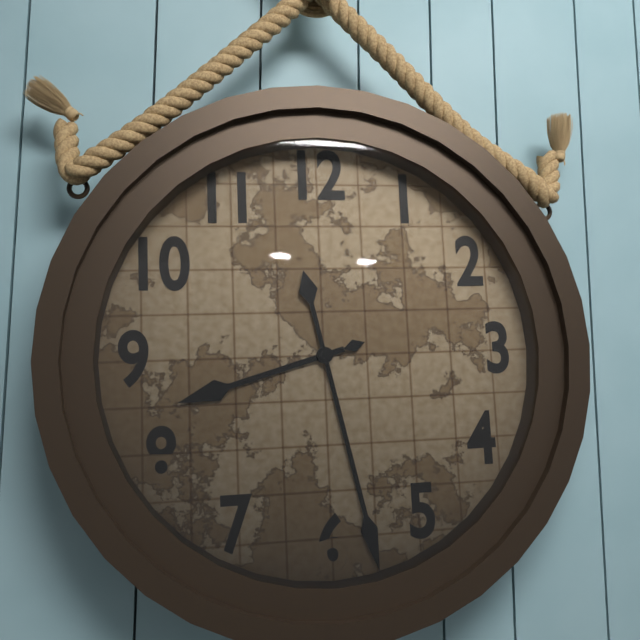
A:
**8:28**
